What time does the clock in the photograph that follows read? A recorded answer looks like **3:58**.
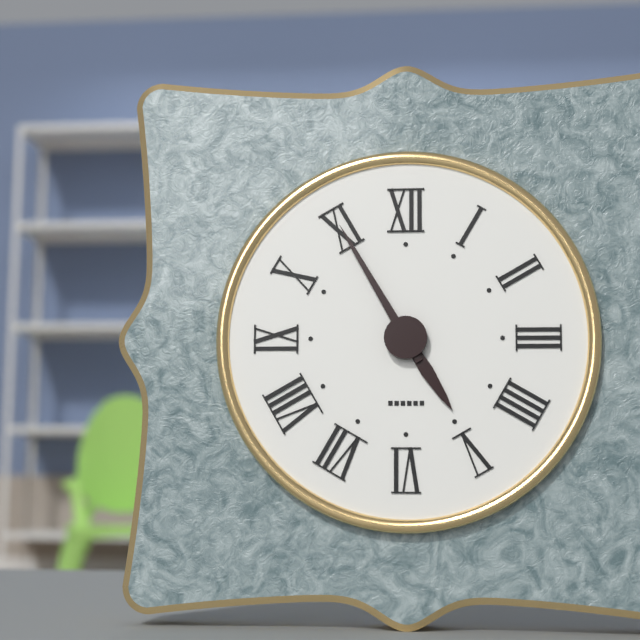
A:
**4:55**
